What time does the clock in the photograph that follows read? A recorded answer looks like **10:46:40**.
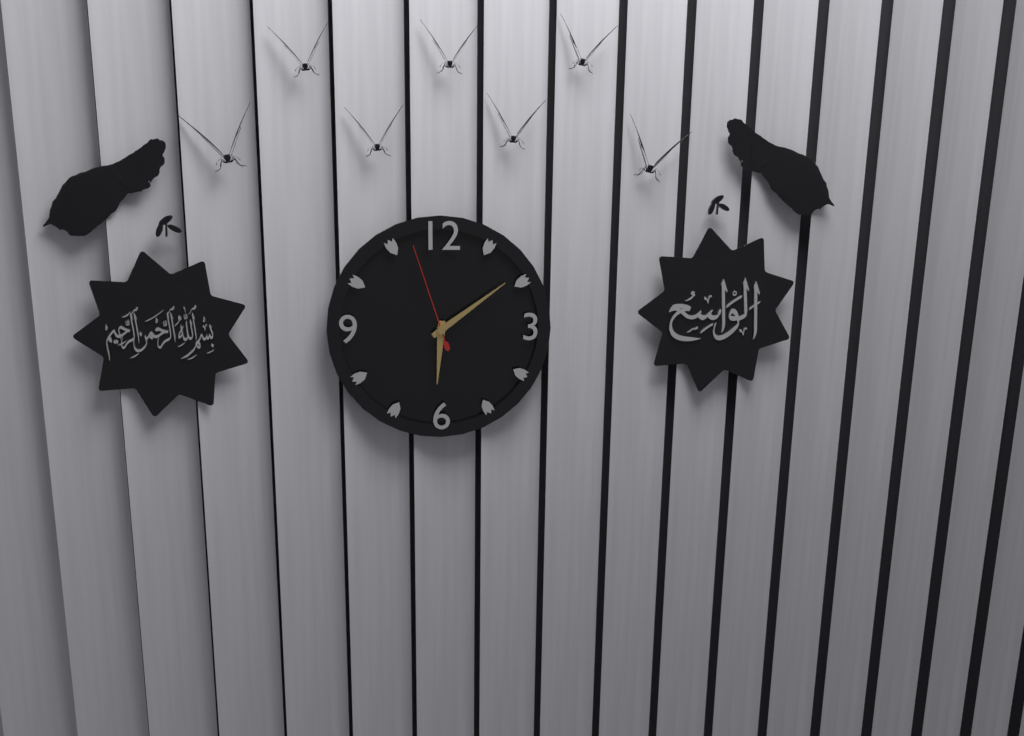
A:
**6:09:57**
